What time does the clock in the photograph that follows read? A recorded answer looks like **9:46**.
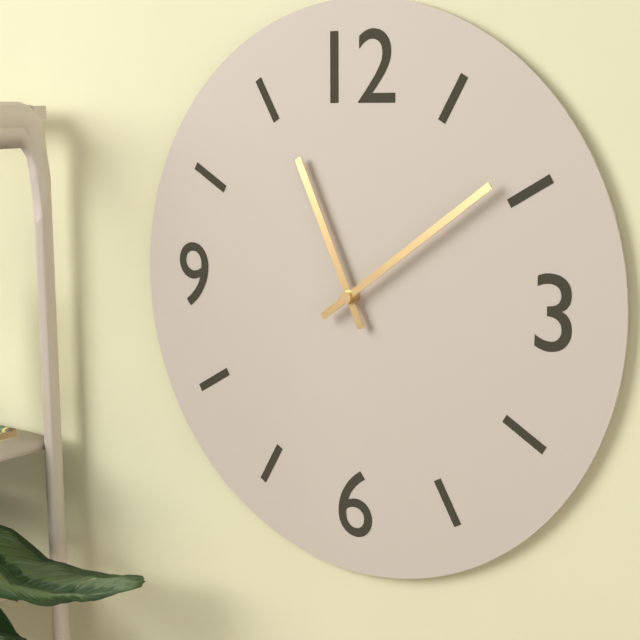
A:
**11:09**
